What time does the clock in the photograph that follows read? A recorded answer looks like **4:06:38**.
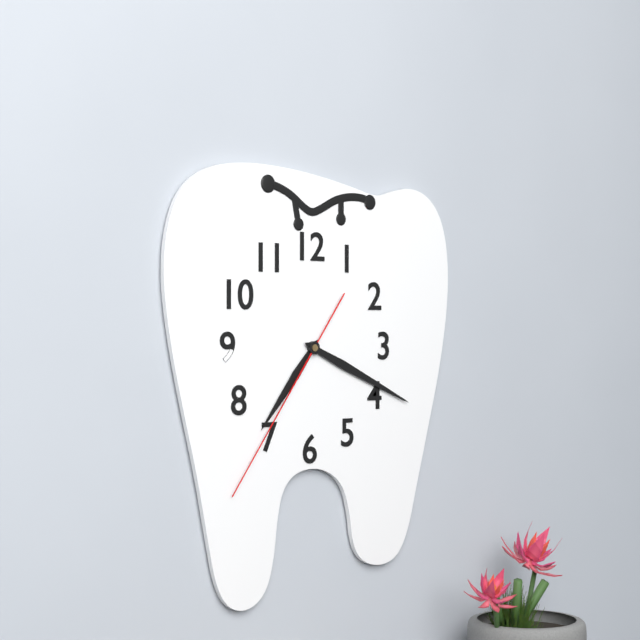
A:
**7:19:36**
